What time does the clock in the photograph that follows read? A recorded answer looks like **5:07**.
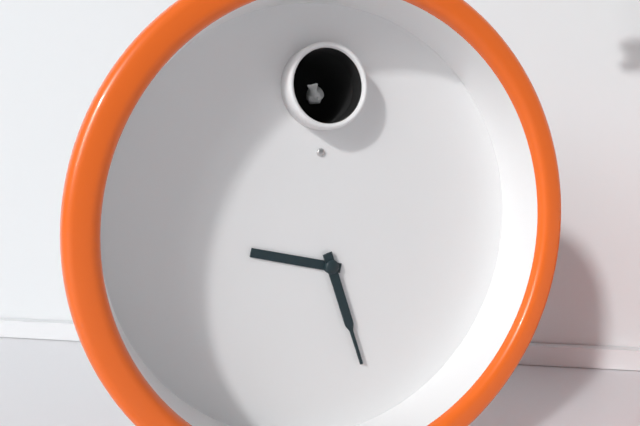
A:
**9:27**
